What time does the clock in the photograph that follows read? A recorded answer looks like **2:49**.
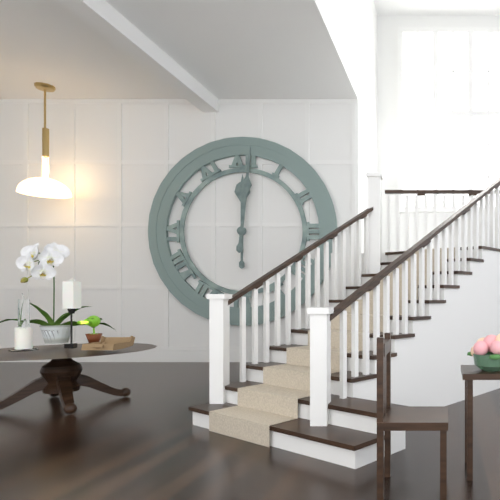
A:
**12:01**
